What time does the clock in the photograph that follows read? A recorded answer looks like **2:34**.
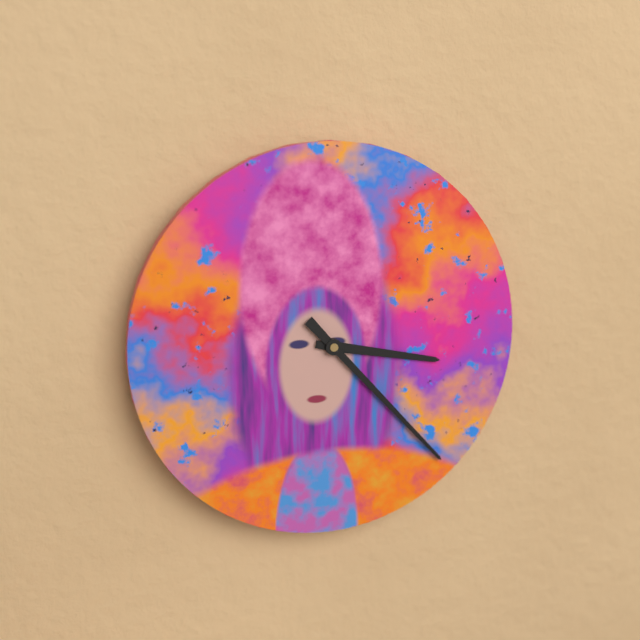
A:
**3:23**
